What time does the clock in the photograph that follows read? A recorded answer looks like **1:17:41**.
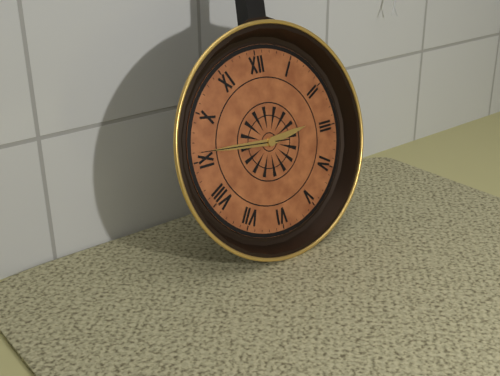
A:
**2:46:46**
